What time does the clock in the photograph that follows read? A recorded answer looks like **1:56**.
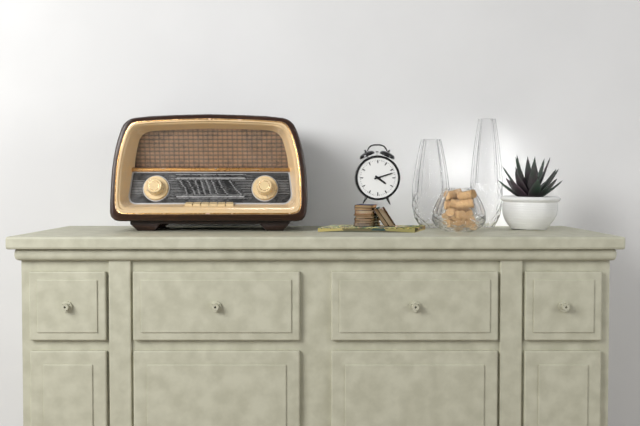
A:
**4:12**
